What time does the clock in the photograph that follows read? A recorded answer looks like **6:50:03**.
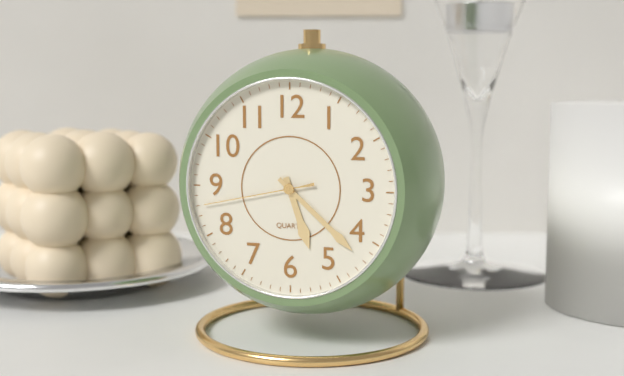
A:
**5:22:43**
